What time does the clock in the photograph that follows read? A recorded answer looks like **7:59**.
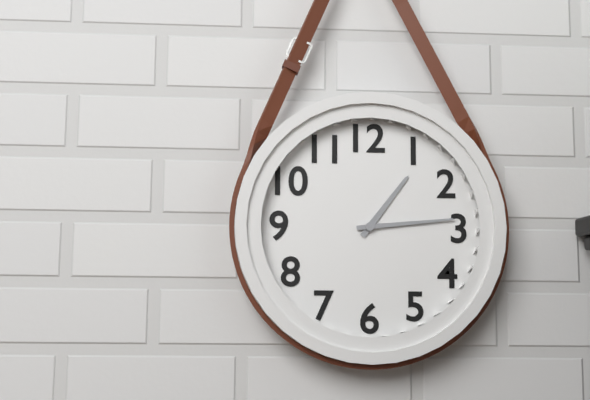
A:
**1:14**
